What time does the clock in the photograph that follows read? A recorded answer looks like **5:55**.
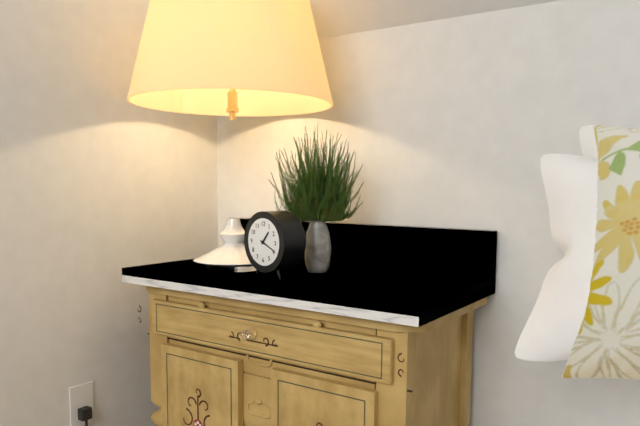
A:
**1:19**
